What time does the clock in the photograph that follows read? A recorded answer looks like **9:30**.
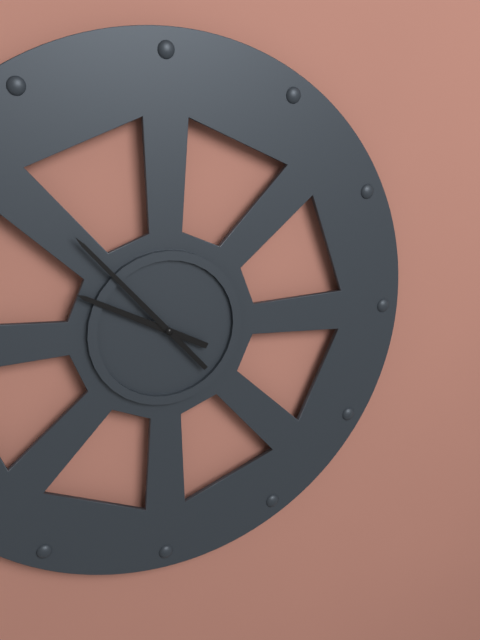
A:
**9:53**
